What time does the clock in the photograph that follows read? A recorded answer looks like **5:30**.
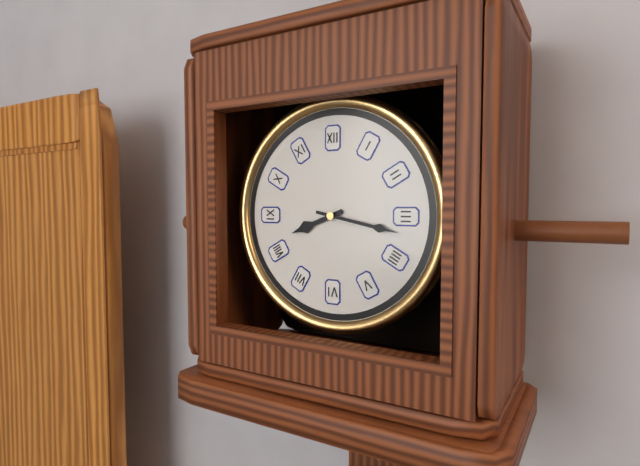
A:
**8:17**
